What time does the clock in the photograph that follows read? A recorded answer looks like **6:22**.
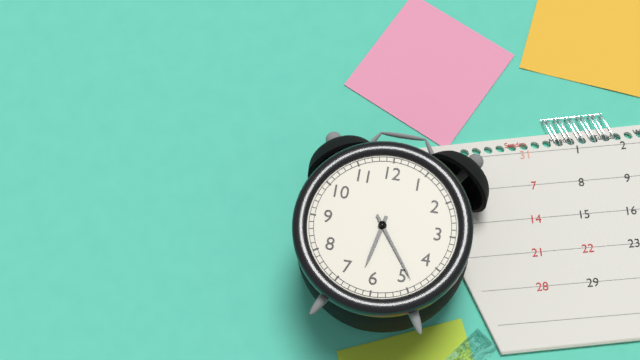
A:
**6:24**
